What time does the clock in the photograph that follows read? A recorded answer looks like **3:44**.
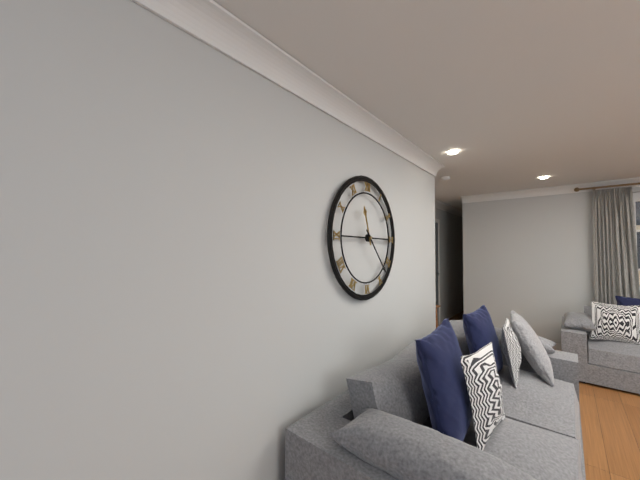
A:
**11:23**
